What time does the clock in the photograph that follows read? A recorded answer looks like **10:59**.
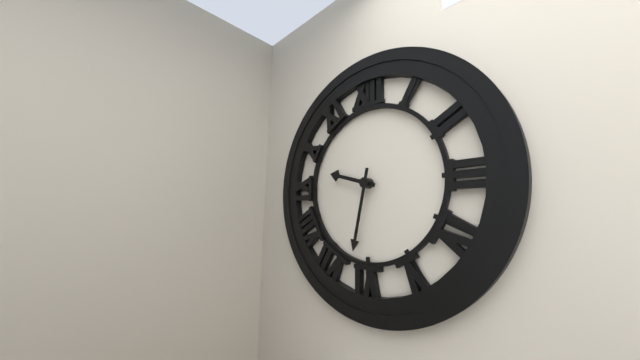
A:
**9:32**
